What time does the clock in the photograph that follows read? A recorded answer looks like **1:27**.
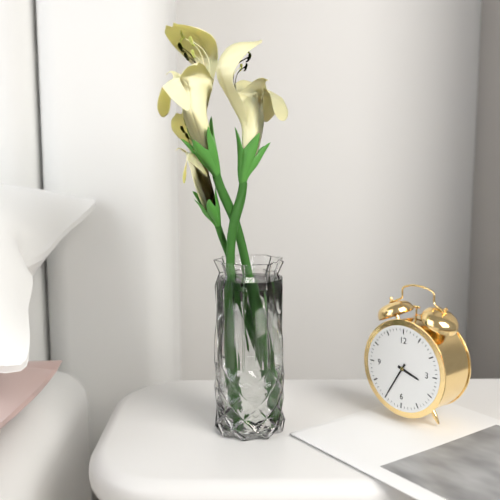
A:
**3:35**
